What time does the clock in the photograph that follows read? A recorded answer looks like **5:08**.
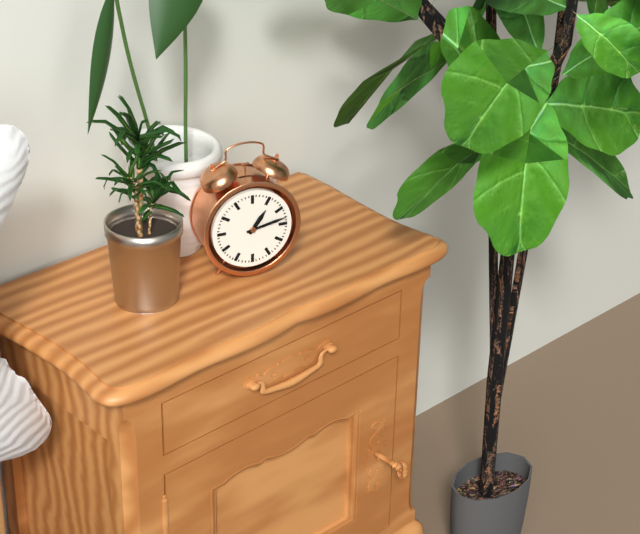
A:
**1:13**
